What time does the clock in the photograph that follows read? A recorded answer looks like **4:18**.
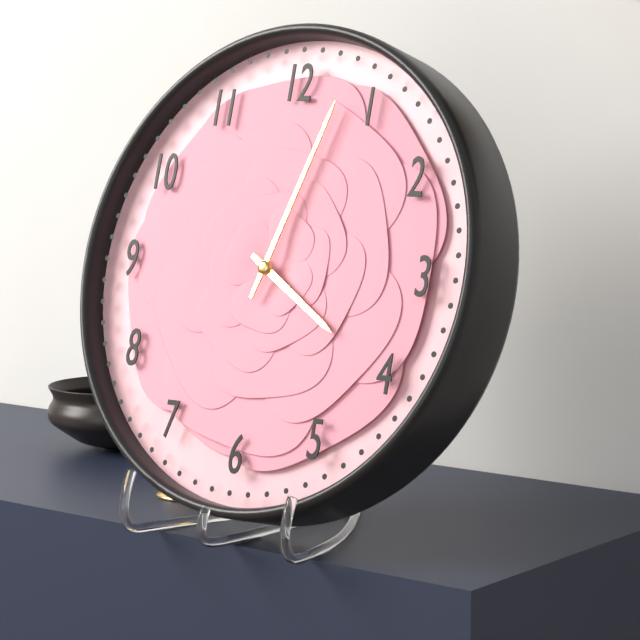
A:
**4:03**
